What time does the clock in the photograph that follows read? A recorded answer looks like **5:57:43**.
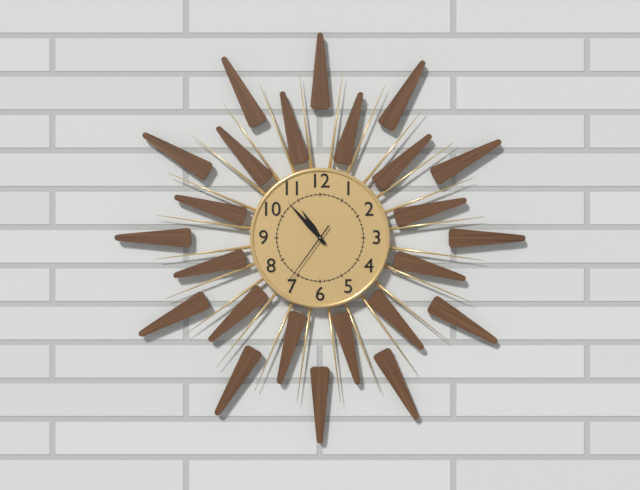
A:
**10:53:36**
